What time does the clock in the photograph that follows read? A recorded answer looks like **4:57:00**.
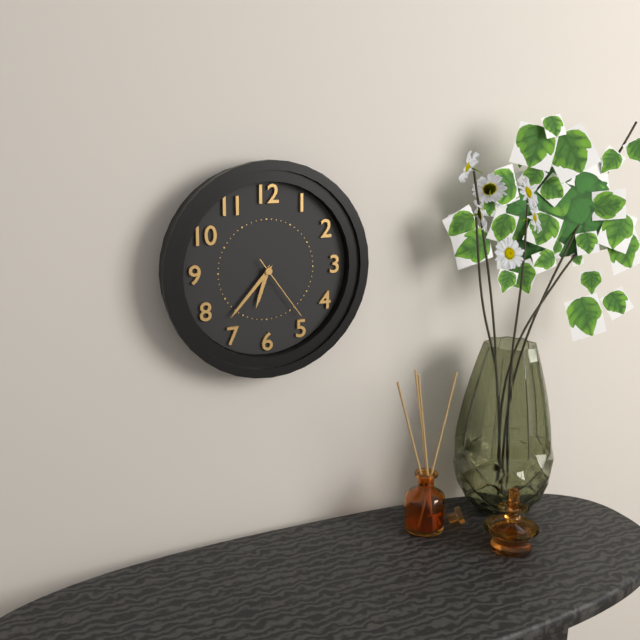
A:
**6:37:24**
